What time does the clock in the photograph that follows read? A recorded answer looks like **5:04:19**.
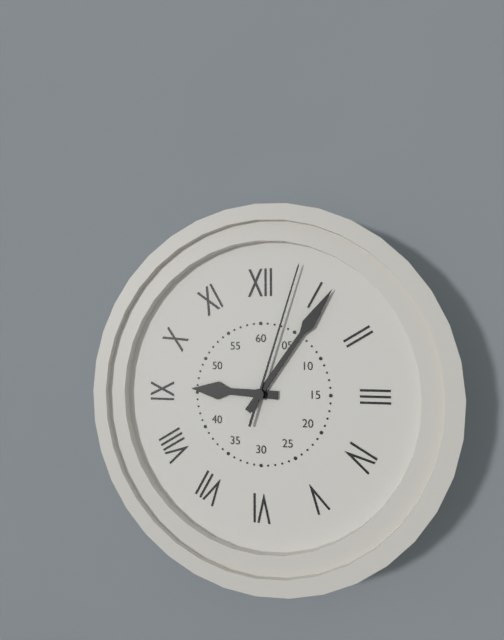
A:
**9:06:03**
